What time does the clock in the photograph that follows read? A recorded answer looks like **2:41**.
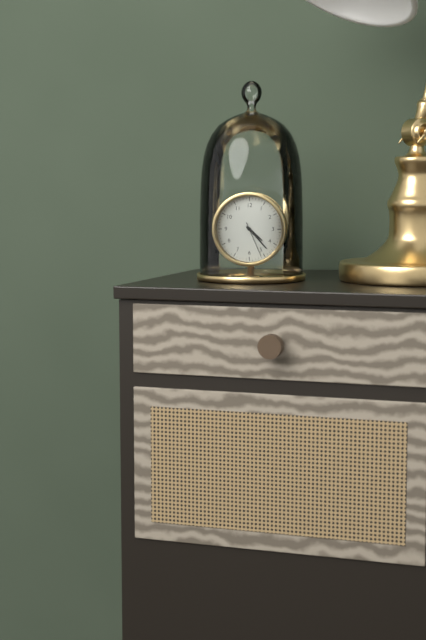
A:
**4:23**
